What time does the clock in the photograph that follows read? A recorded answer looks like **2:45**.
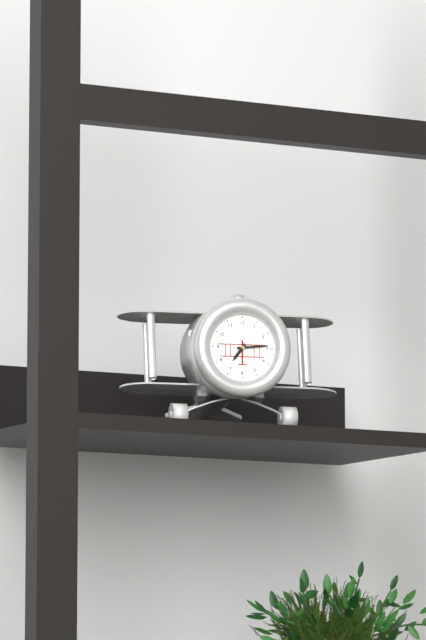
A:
**7:14**
